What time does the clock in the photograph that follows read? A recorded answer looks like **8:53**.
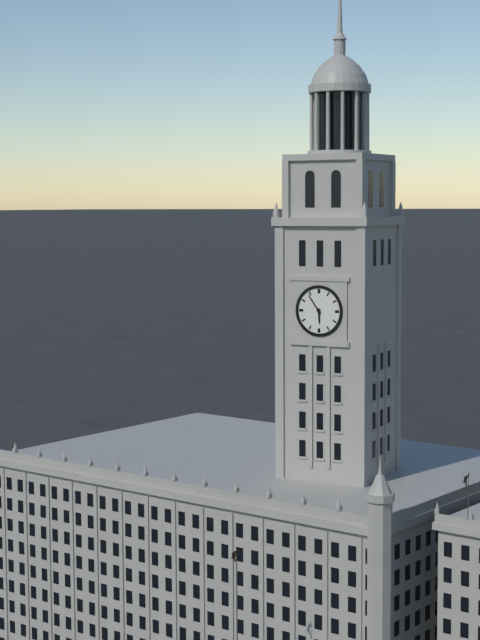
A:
**5:54**
